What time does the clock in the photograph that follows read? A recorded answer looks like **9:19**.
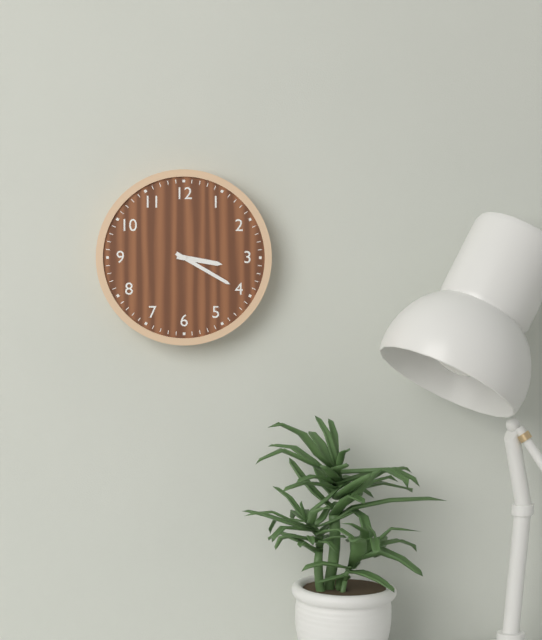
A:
**3:20**
